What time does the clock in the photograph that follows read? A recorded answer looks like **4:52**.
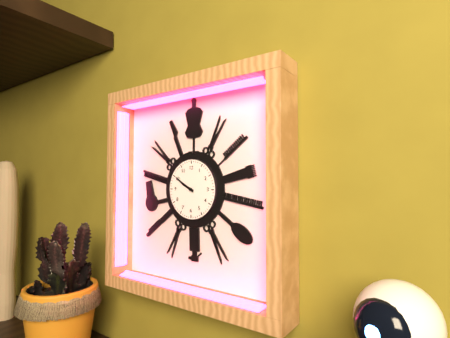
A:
**9:50**
